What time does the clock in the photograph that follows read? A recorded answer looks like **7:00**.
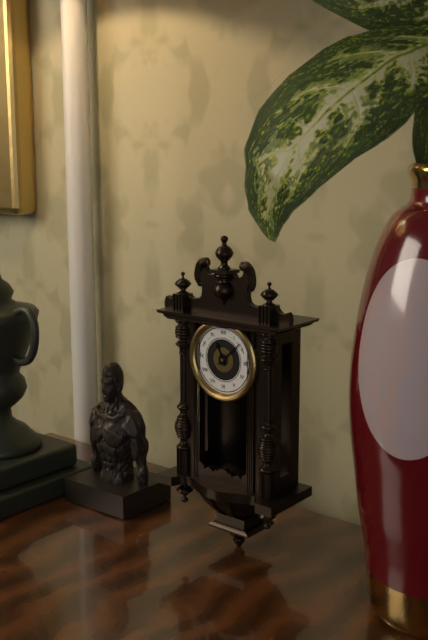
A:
**11:08**
